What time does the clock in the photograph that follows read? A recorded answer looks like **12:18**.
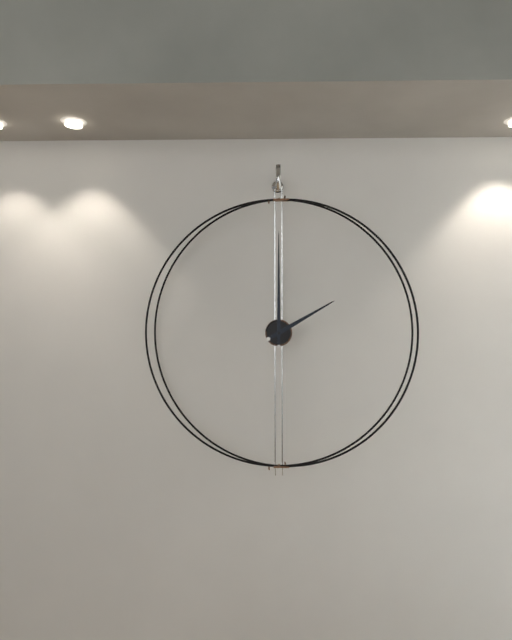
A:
**2:00**
